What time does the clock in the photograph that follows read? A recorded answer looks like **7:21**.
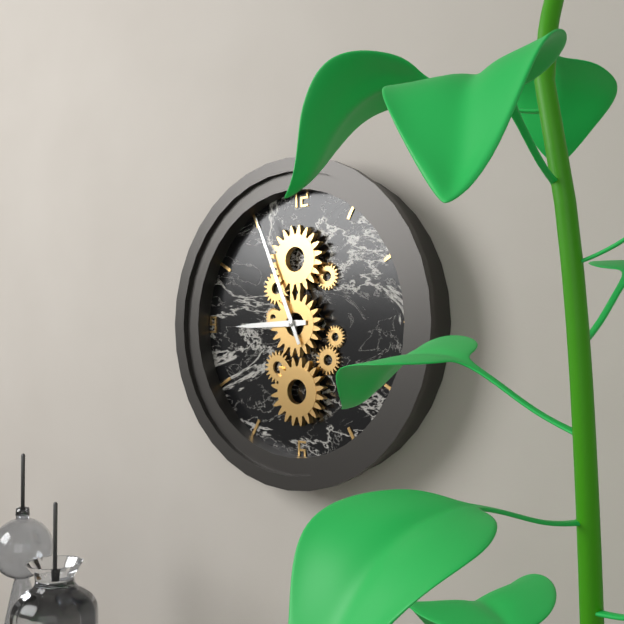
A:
**8:56**
